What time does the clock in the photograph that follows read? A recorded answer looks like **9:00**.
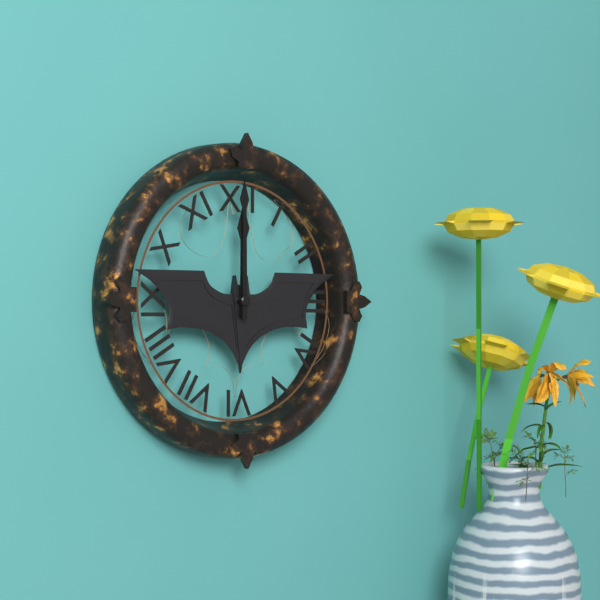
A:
**12:00**
